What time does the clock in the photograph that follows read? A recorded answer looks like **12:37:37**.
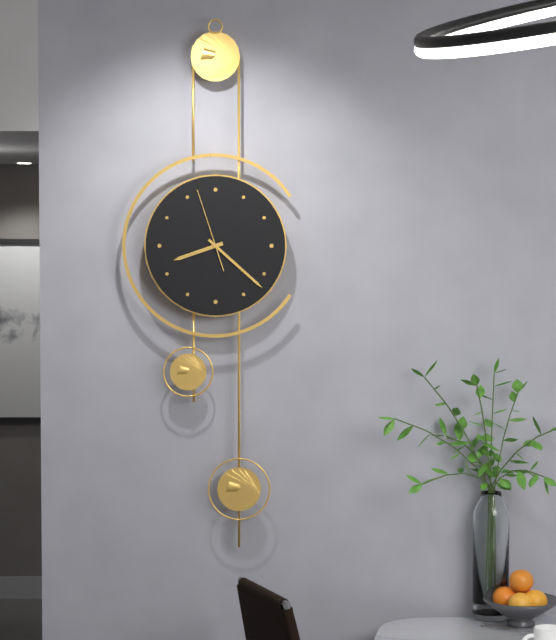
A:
**8:22:57**
